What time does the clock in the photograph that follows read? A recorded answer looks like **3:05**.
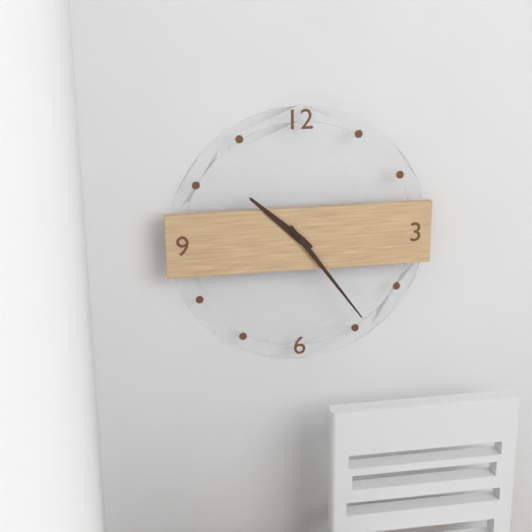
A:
**10:24**
